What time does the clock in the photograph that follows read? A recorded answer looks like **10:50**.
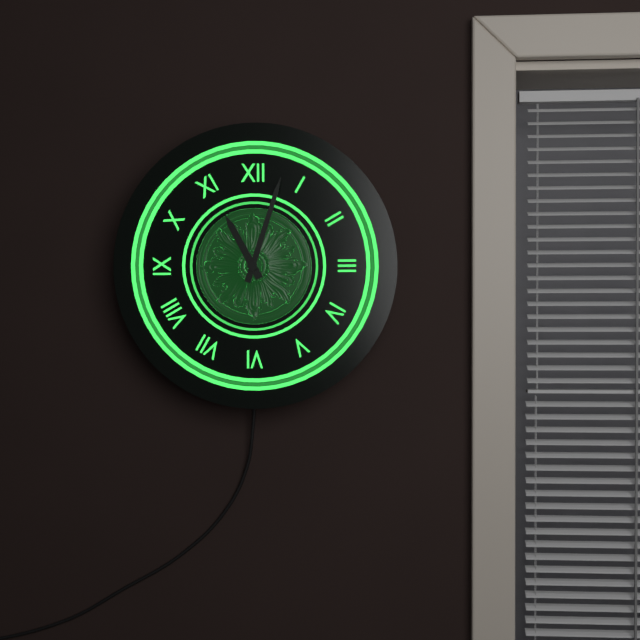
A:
**11:03**
